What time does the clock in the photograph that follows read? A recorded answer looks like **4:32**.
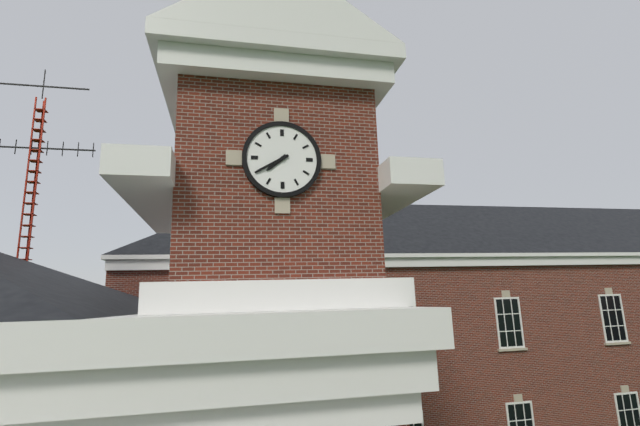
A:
**7:40**
